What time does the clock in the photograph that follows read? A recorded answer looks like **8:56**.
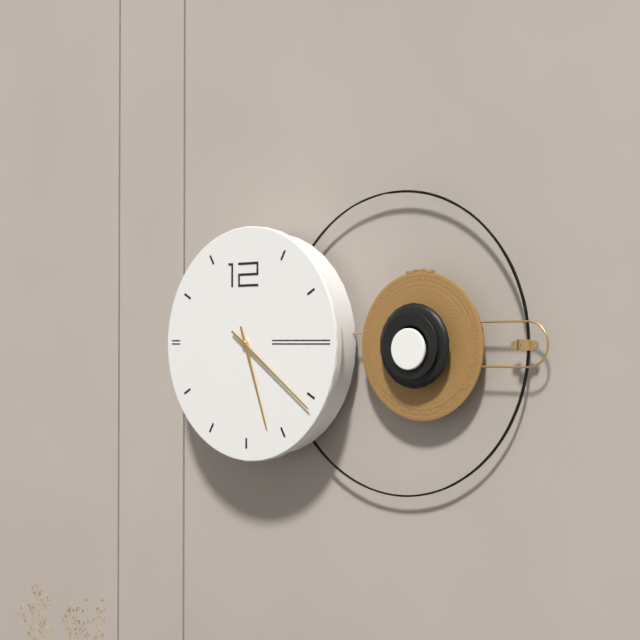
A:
**5:21**
